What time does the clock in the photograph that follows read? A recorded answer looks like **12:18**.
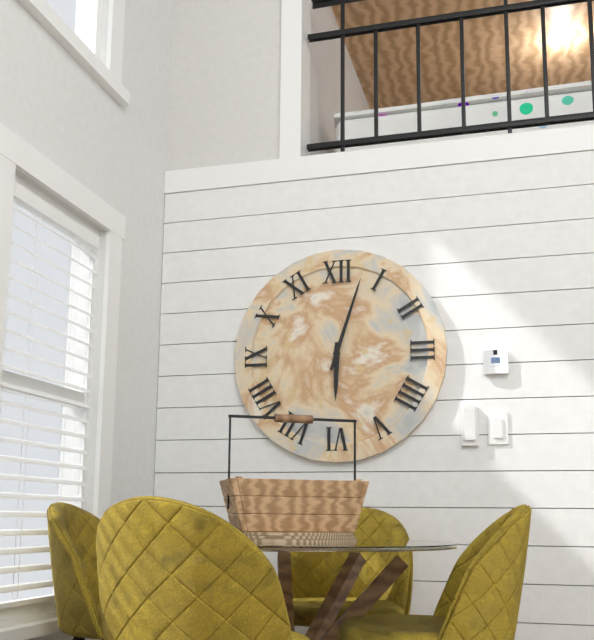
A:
**6:03**
